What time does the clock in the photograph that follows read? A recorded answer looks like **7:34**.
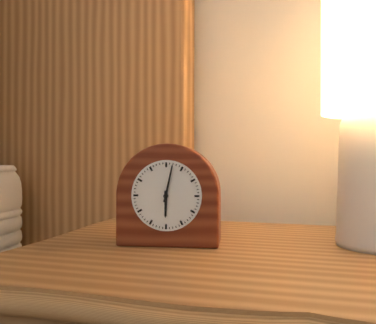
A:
**6:02**
